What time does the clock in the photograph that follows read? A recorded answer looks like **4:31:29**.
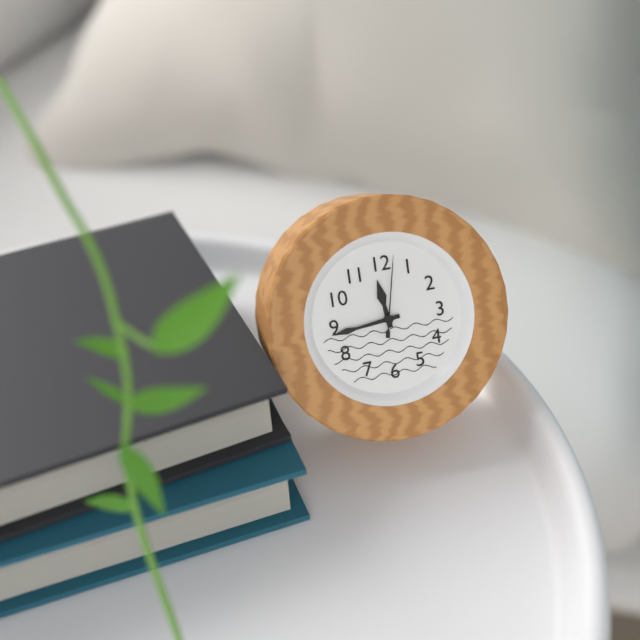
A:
**11:44:02**
